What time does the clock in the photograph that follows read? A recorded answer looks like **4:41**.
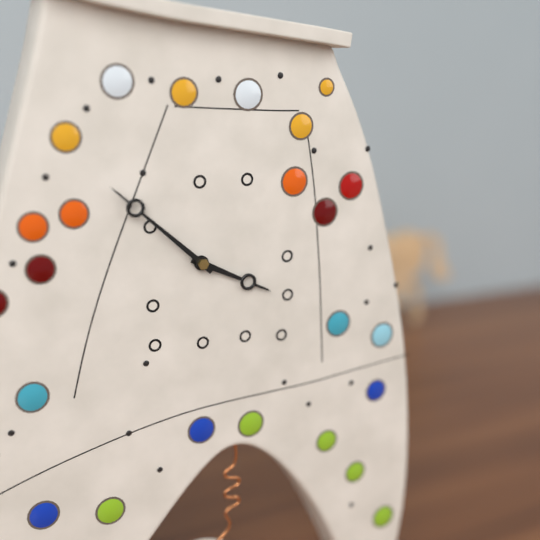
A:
**3:52**
